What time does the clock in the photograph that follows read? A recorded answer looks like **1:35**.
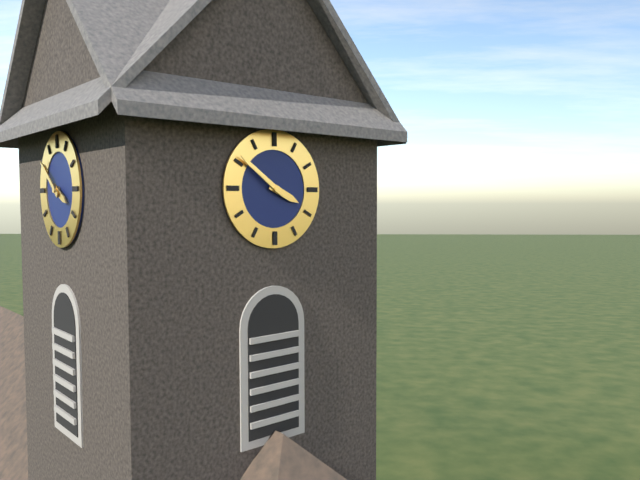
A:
**3:51**
